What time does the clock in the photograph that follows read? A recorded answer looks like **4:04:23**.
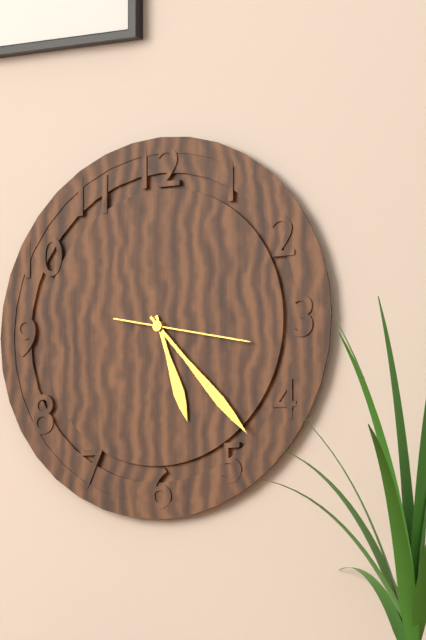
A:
**5:23:17**
